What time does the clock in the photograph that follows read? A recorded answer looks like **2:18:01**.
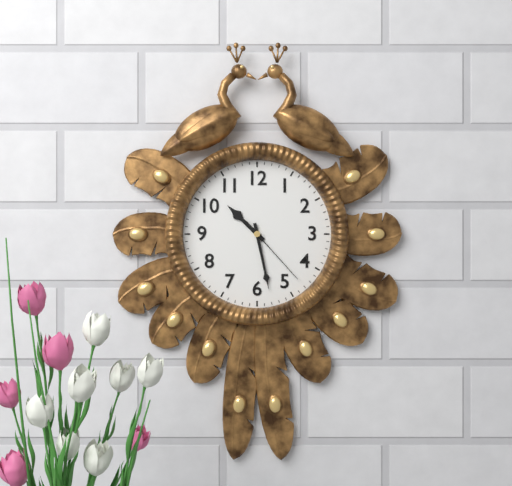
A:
**10:28:23**
